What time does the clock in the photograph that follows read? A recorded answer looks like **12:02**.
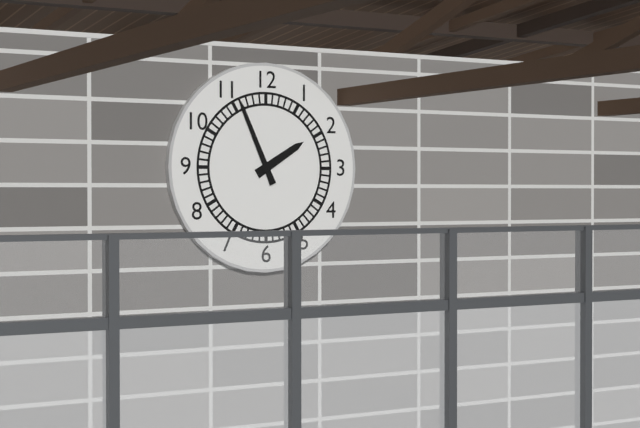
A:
**1:56**
